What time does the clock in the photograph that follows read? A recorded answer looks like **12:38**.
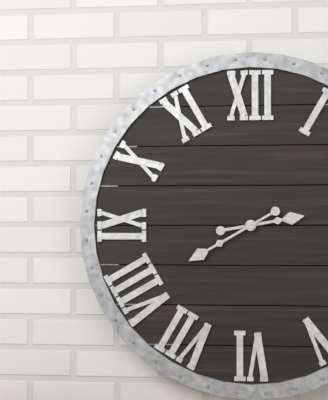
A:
**2:40**
